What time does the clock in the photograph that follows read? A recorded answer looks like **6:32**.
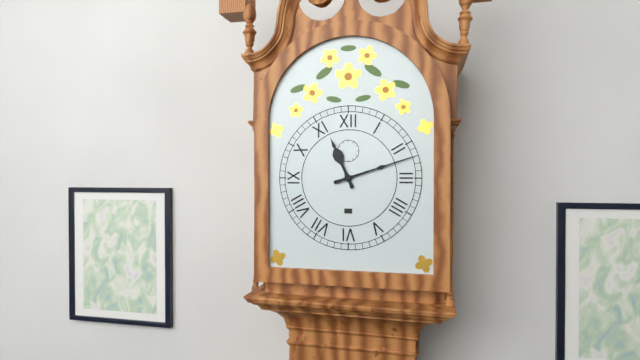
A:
**11:12**
